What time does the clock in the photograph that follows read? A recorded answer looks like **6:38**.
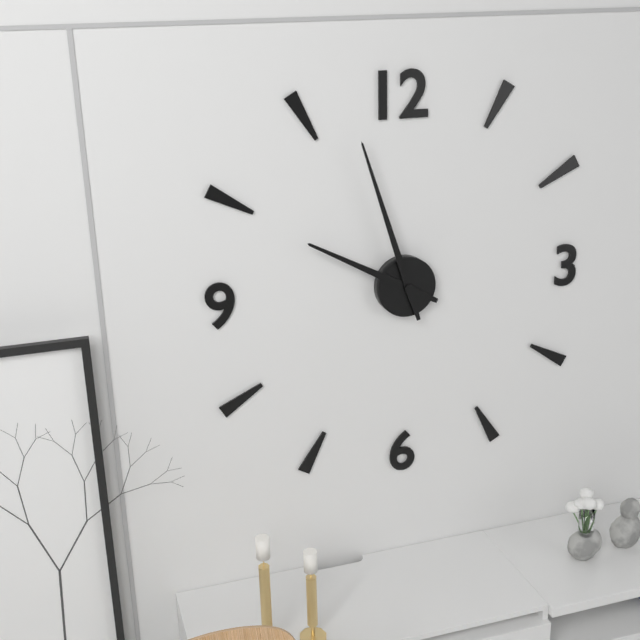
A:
**9:57**
